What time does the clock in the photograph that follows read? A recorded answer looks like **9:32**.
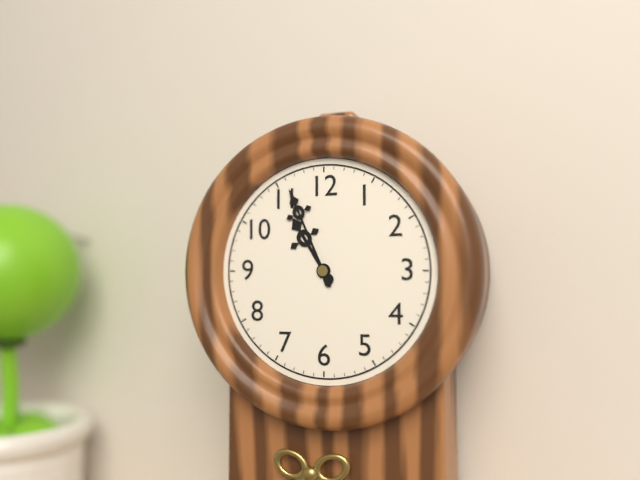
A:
**10:56**
